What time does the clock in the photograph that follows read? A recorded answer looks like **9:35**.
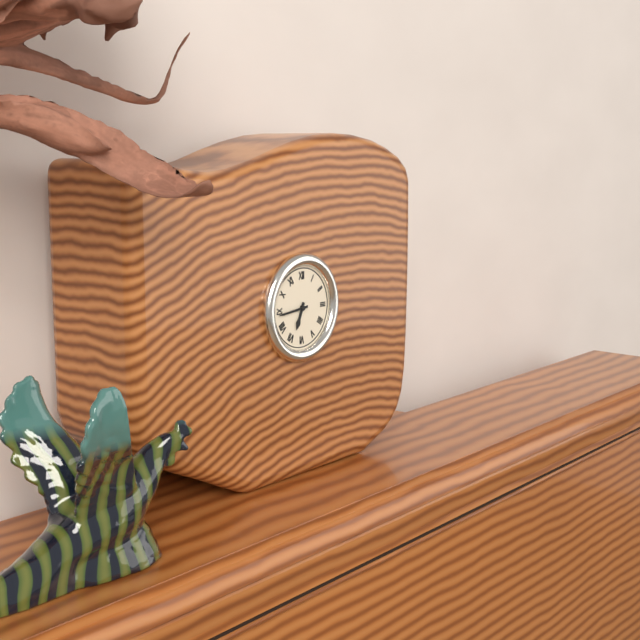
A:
**6:44**
